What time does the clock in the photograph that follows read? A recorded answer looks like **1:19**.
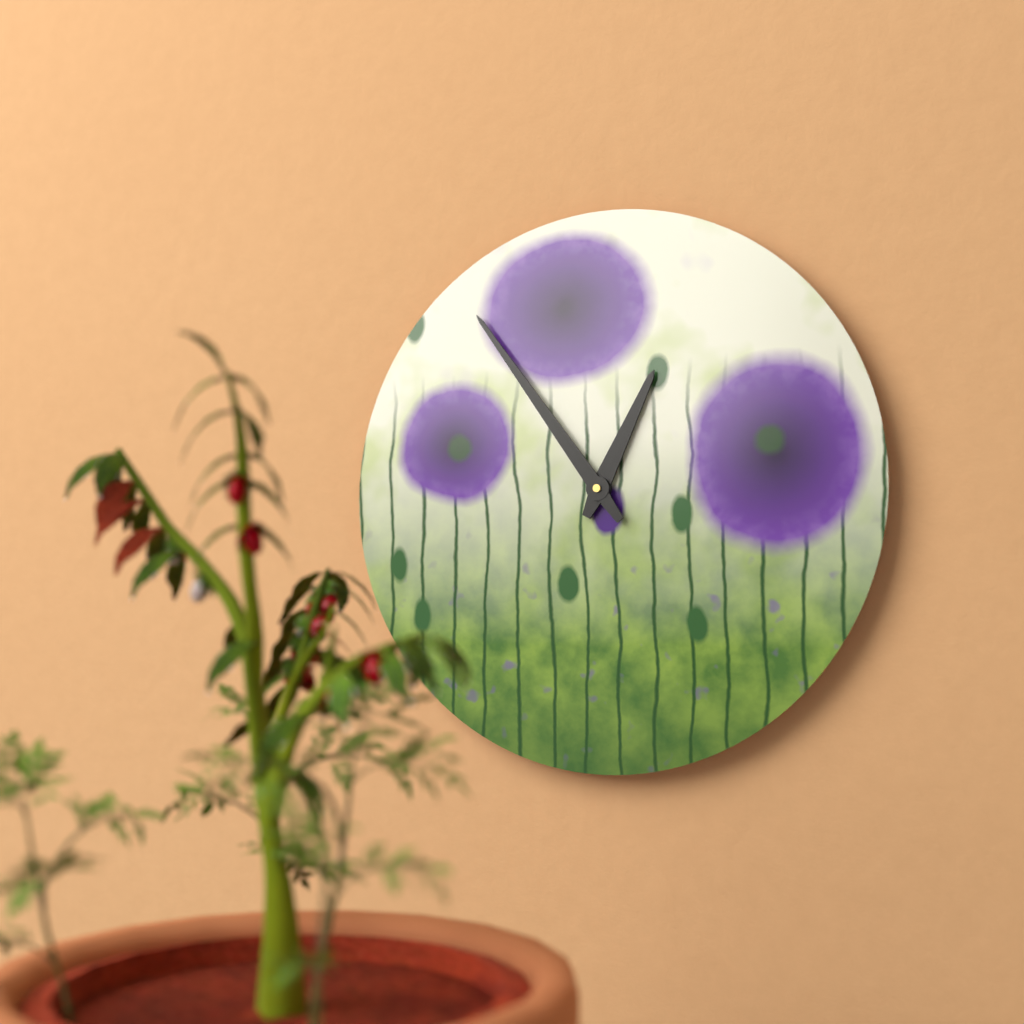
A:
**12:54**
